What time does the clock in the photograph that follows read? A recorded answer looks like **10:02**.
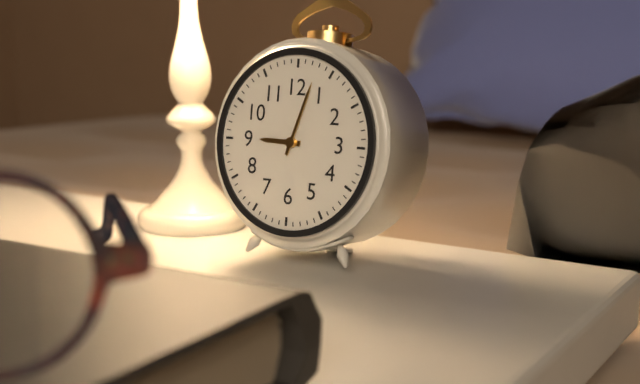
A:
**9:03**
